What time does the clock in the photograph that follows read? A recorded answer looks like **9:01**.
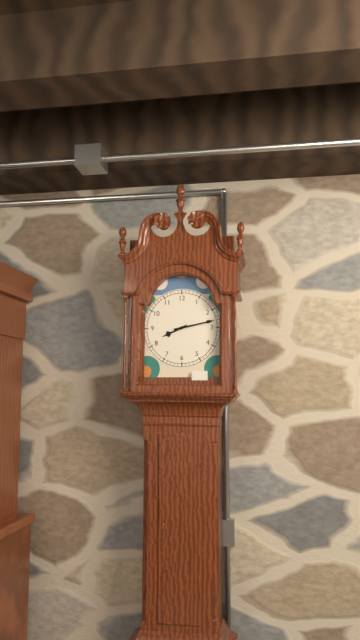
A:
**8:13**
